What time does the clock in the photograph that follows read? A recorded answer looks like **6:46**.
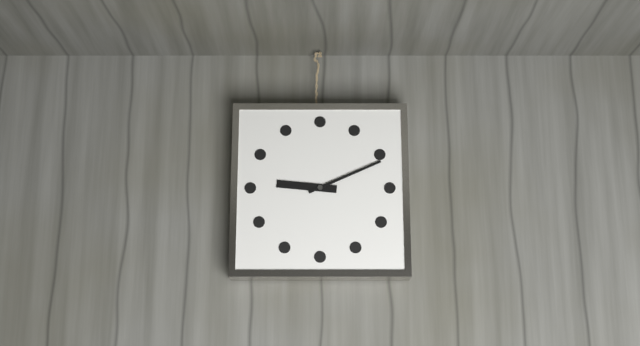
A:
**9:11**
